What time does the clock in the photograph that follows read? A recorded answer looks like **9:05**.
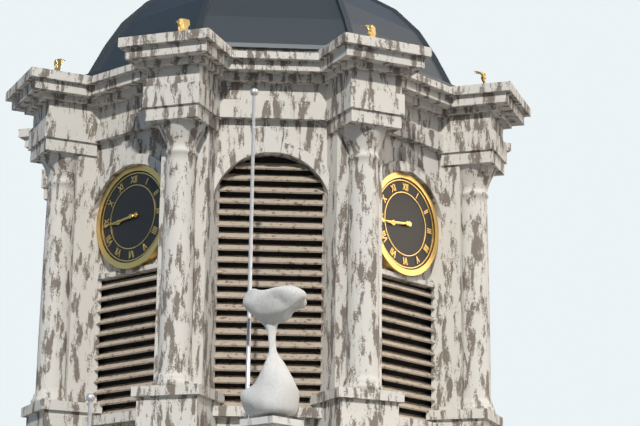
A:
**8:44**
